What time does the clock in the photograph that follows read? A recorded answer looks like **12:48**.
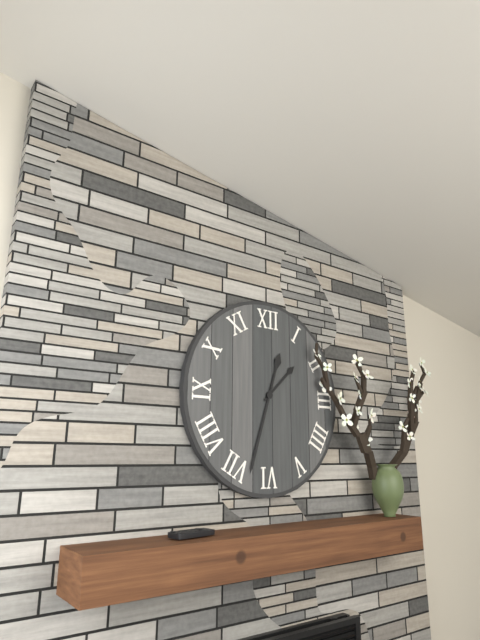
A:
**1:33**
